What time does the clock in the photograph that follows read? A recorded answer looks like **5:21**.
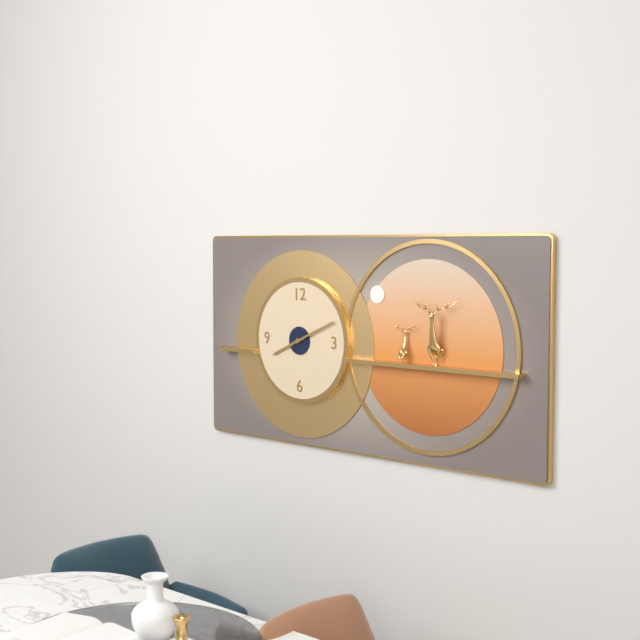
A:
**8:11**
